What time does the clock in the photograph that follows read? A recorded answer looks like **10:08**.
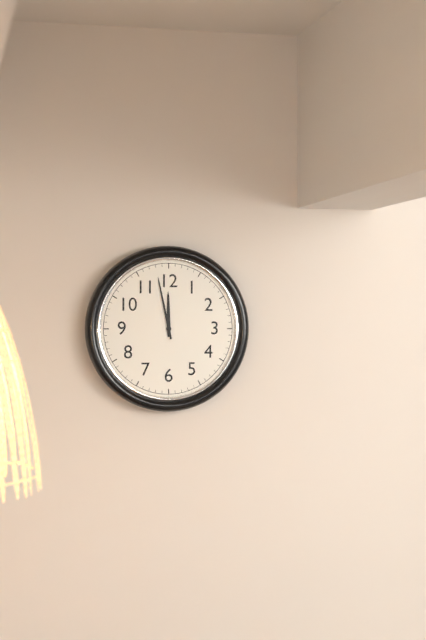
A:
**11:58**
